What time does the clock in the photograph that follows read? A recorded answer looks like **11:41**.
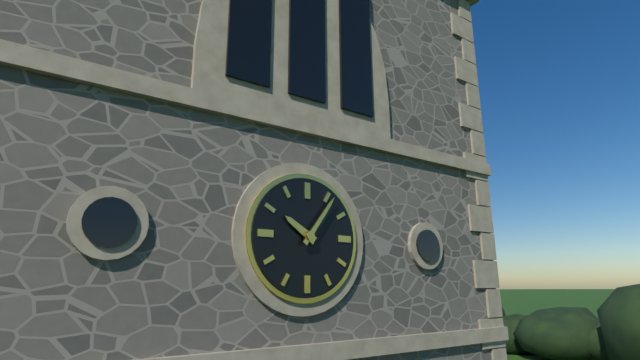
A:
**10:06**
